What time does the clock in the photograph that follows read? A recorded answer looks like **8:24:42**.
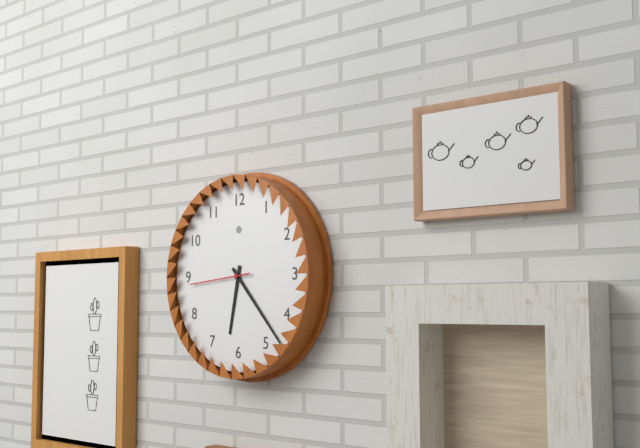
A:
**6:23:44**
